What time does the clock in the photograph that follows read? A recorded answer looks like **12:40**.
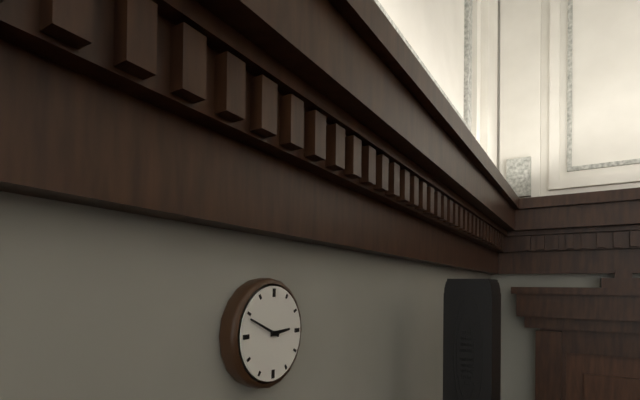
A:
**2:49**
